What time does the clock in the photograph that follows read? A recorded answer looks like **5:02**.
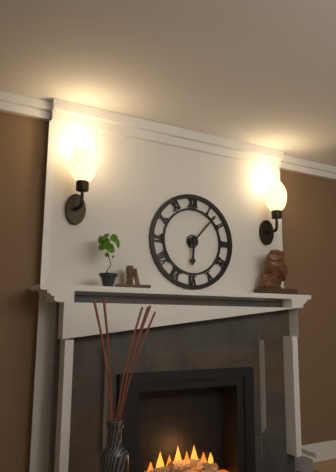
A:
**6:07**
